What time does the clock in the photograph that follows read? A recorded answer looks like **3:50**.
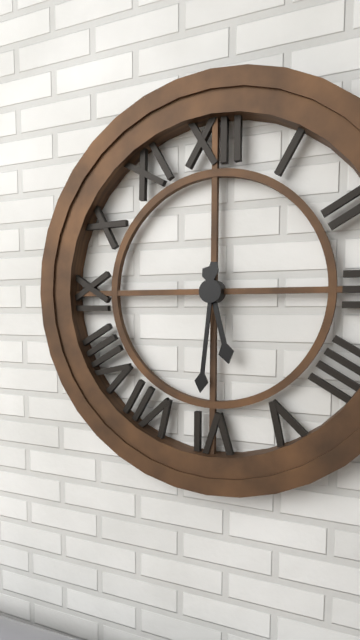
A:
**5:31**
